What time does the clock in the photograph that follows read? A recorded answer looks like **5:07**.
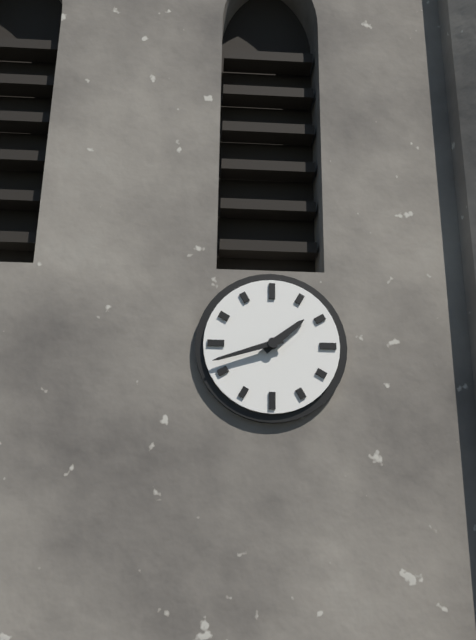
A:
**1:42**
